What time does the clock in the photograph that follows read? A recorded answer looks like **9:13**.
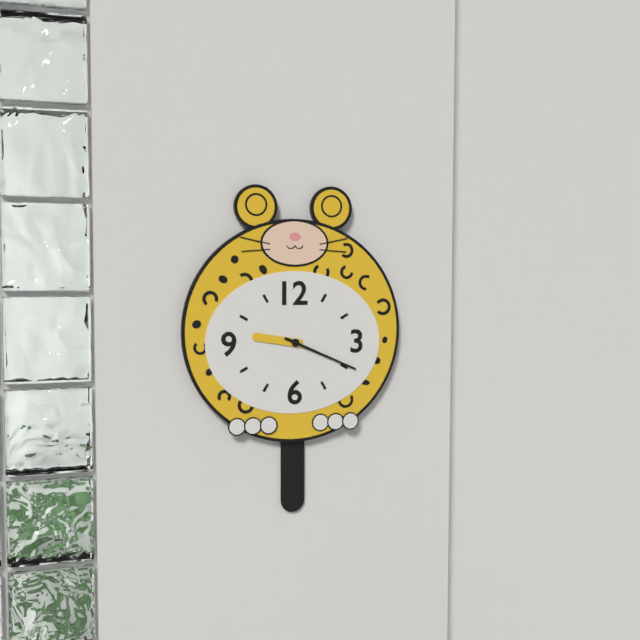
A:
**9:19**
